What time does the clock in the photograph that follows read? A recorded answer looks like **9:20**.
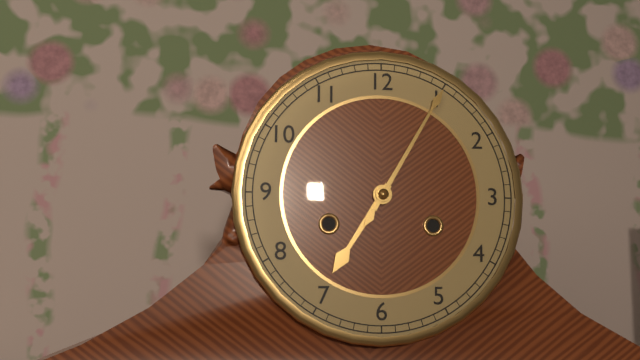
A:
**7:05**
